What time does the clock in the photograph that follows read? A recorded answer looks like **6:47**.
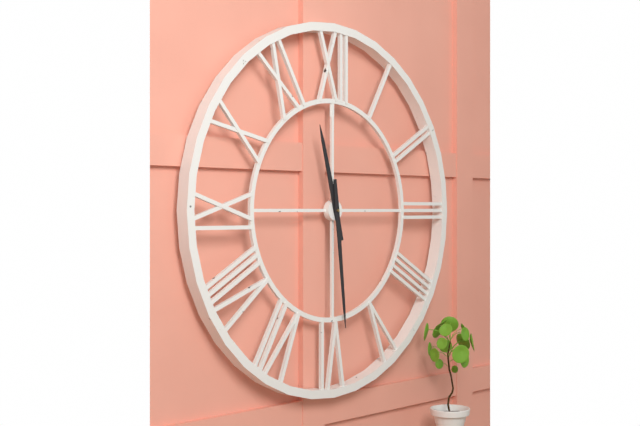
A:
**11:29**
